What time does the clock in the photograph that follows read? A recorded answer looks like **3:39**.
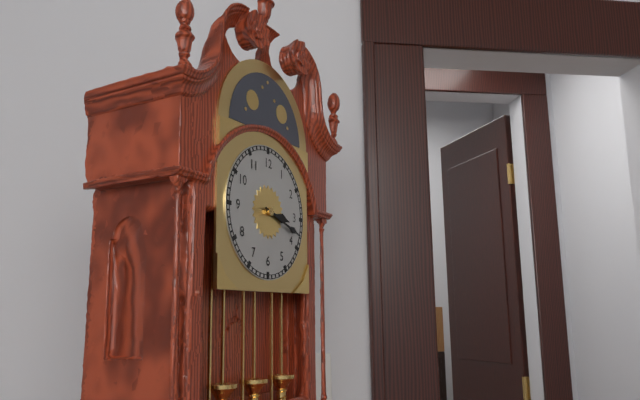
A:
**3:18**
